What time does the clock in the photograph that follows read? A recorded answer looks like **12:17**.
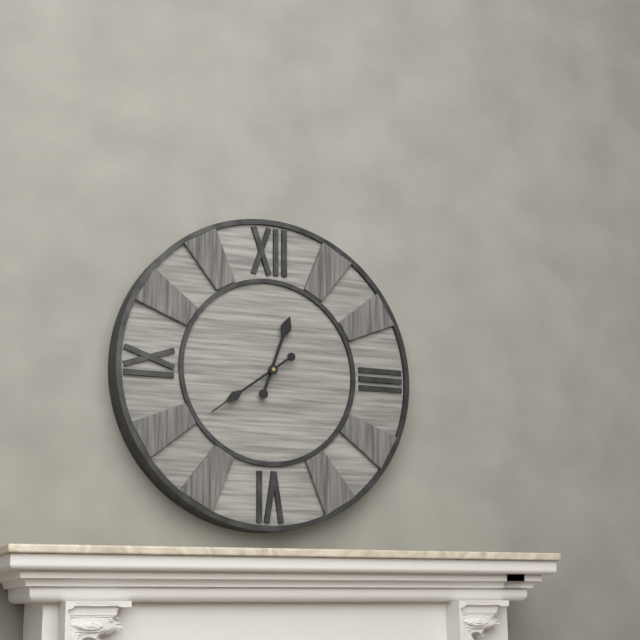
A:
**12:39**
